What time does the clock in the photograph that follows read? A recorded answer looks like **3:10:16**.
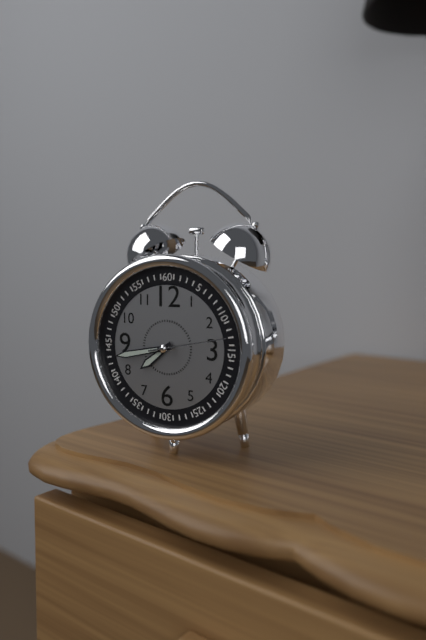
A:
**7:43:13**
